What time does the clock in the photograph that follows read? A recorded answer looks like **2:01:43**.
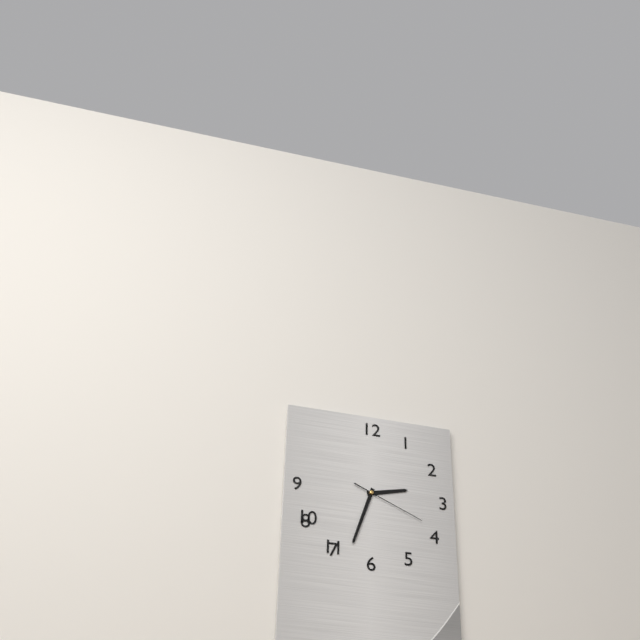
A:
**2:33:19**
